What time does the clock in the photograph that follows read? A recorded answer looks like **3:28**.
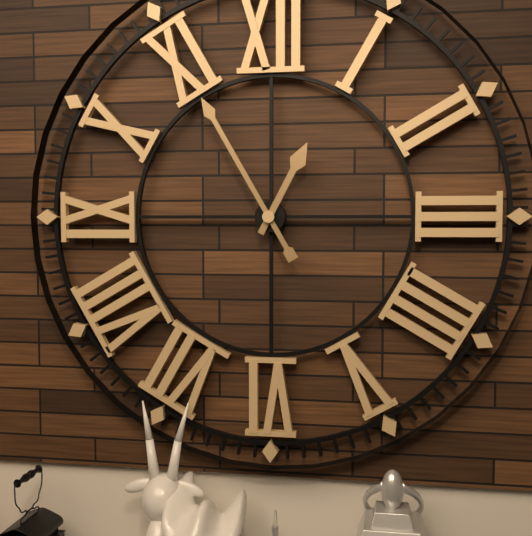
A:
**12:55**
